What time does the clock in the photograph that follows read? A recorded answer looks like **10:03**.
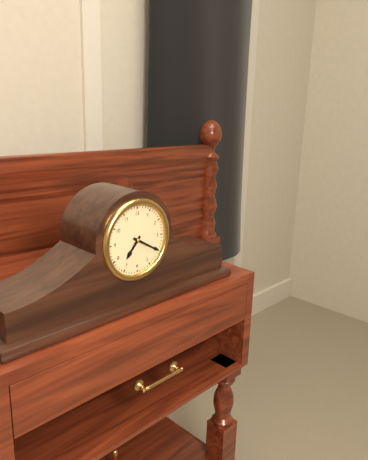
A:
**7:20**
